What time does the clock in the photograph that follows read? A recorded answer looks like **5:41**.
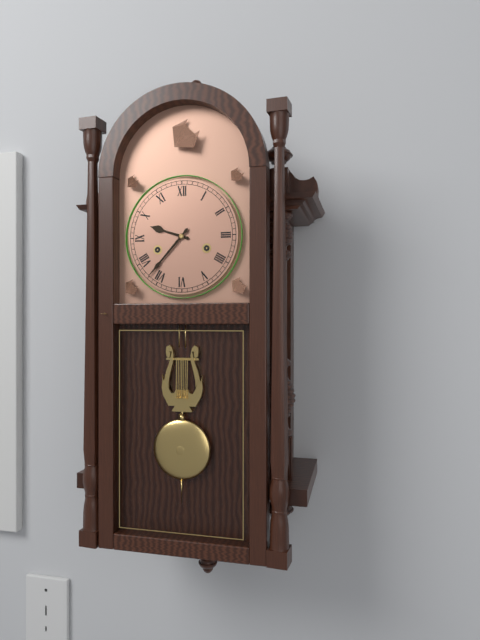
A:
**9:37**
